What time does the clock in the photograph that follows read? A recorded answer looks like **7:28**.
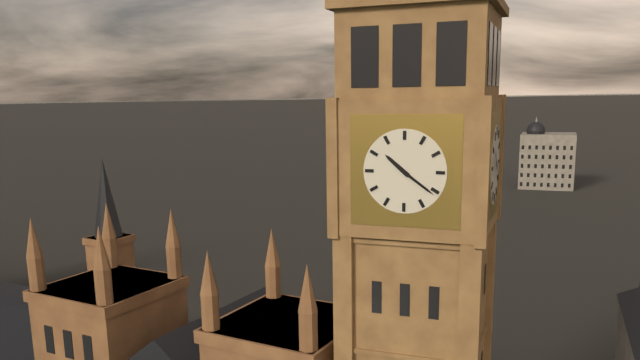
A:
**10:21**
